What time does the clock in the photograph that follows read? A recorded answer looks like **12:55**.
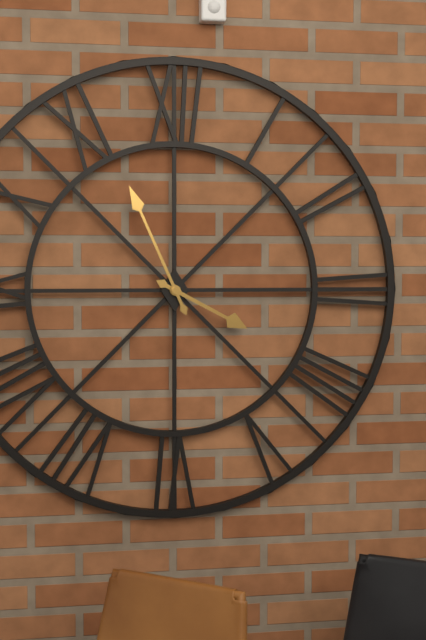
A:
**3:56**
